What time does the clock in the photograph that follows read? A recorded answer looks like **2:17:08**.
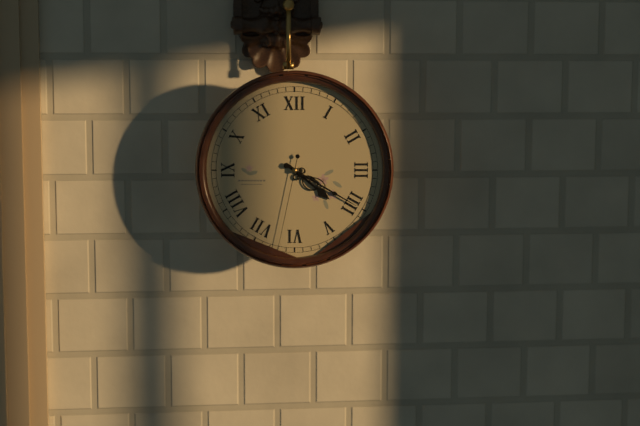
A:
**4:20:32**
